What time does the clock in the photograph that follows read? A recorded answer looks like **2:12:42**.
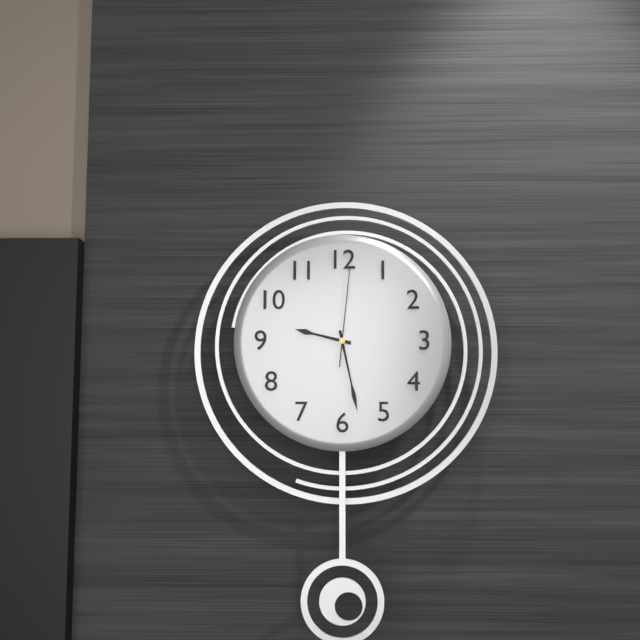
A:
**9:28:01**
